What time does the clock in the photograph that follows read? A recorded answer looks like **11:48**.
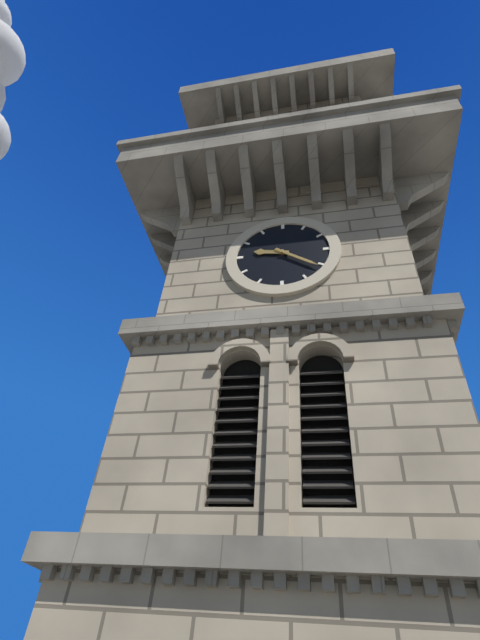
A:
**9:21**
